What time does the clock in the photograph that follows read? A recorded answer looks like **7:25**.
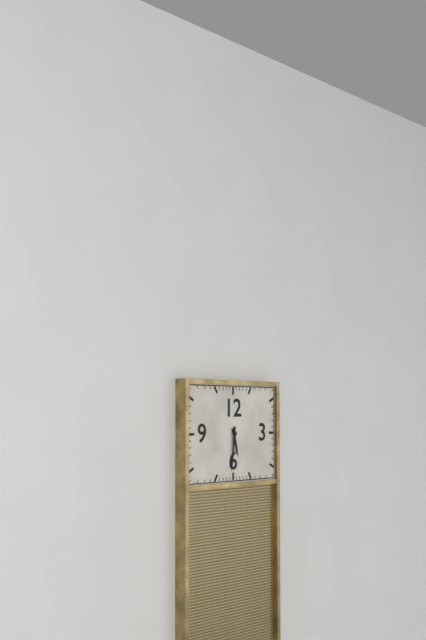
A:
**5:31**
